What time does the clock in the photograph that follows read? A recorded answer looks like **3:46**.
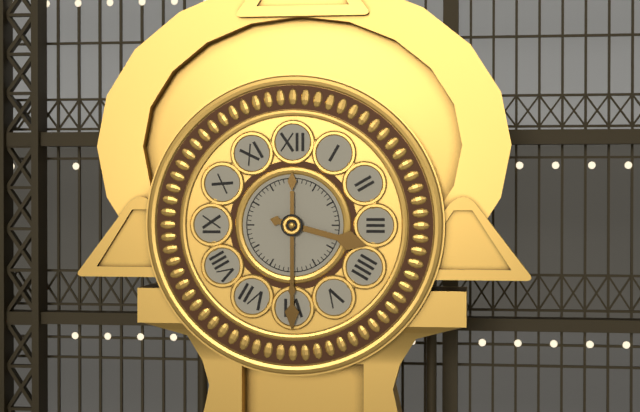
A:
**3:30**
